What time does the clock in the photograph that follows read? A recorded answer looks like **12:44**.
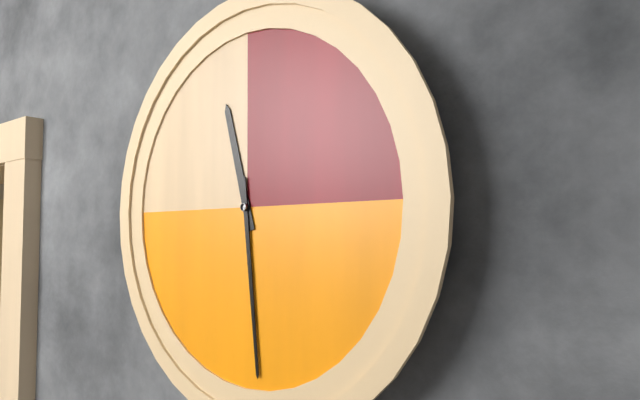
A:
**11:29**
